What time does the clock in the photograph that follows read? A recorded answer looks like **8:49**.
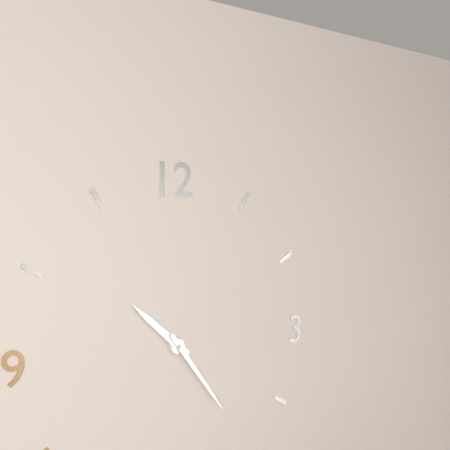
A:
**10:24**
